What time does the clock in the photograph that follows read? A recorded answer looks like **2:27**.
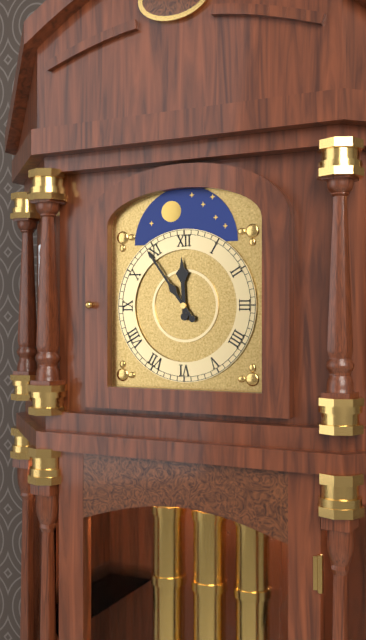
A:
**11:54**
